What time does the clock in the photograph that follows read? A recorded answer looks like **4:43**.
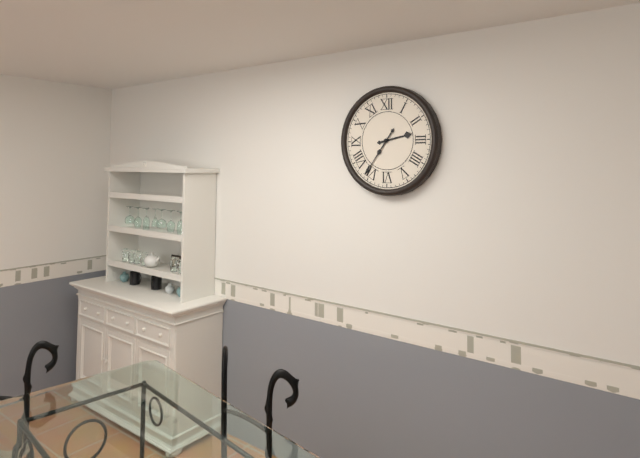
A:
**2:36**
